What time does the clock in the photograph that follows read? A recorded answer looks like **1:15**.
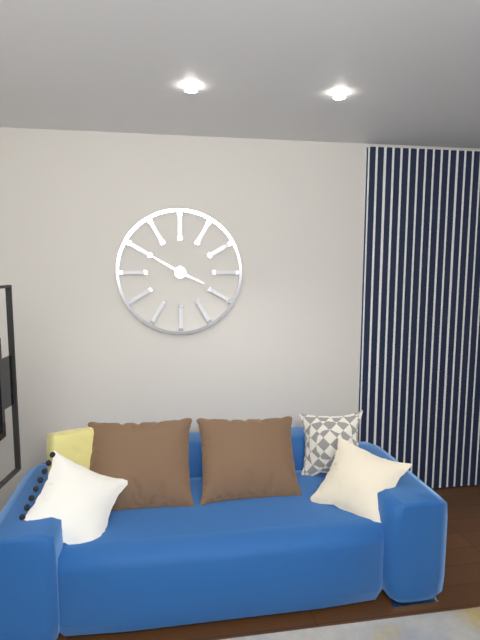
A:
**3:50**
